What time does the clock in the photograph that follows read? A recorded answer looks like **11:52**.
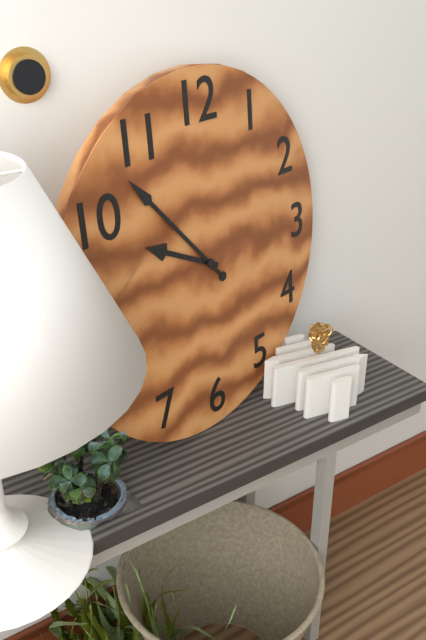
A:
**9:53**
